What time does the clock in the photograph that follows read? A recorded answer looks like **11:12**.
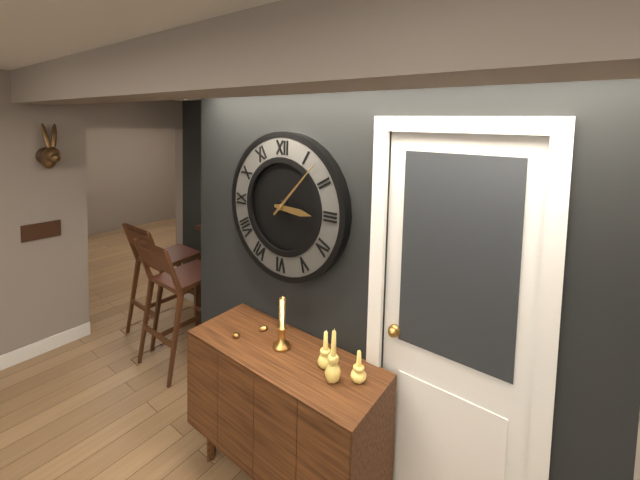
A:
**3:07**
